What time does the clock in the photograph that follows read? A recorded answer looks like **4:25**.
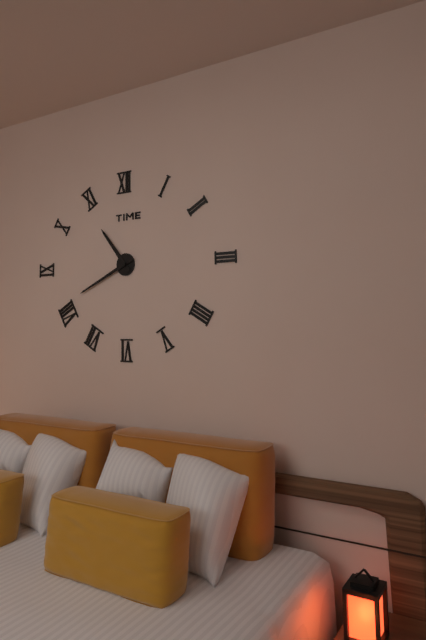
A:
**10:41**
